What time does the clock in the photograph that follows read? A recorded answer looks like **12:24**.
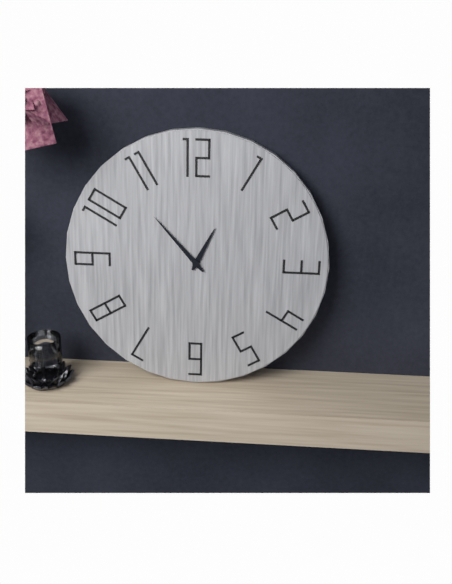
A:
**12:53**
